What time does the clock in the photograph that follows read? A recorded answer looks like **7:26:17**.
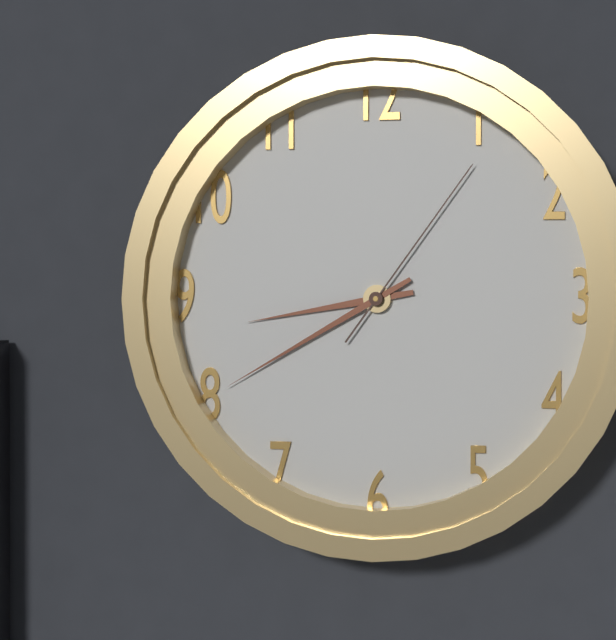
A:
**8:40:06**
